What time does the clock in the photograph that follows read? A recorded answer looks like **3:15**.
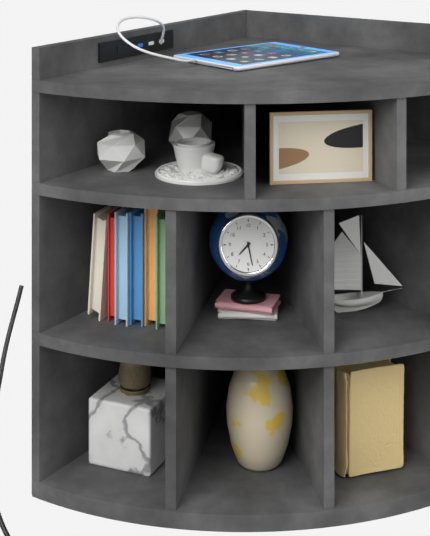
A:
**7:28**
